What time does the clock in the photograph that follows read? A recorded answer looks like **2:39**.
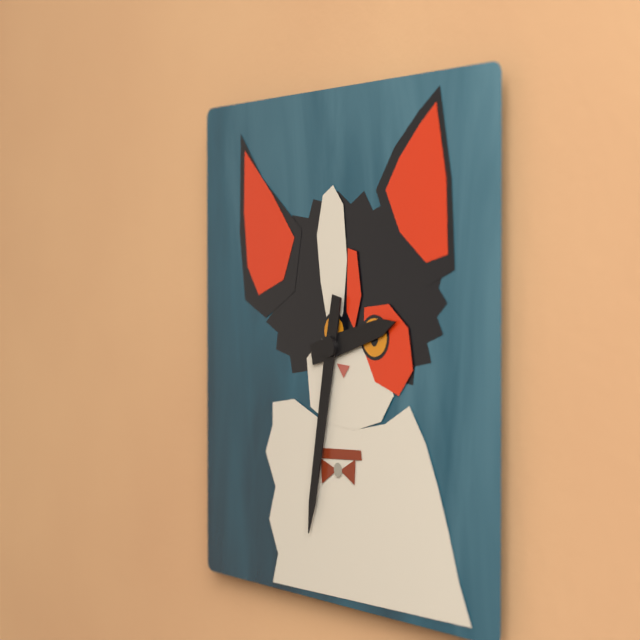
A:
**2:32**
